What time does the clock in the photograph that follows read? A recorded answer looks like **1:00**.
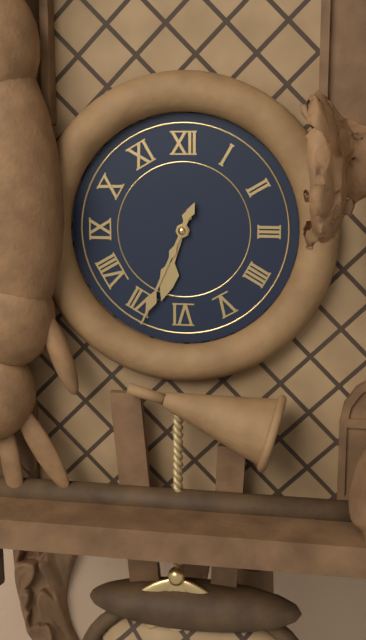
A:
**6:34**
